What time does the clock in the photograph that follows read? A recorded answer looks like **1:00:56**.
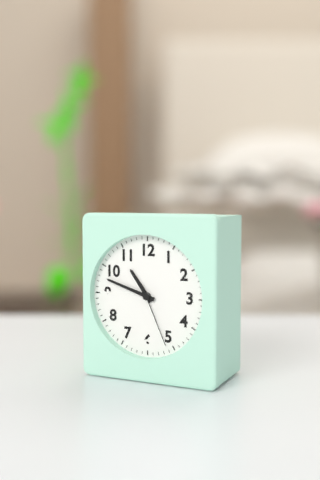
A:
**10:48:26**
